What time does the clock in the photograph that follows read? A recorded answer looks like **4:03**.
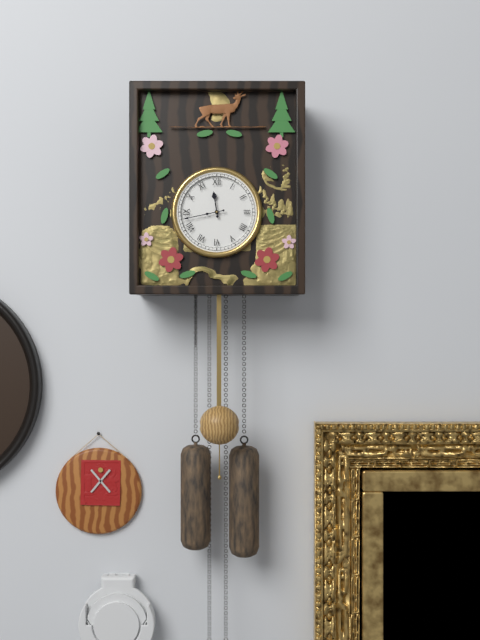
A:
**11:43**
